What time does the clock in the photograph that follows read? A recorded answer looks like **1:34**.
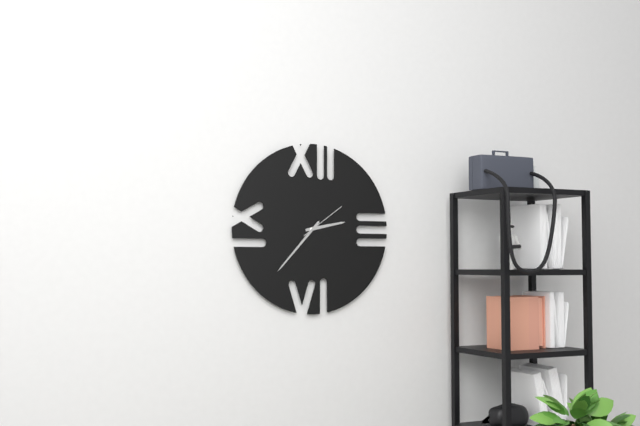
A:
**2:37**
